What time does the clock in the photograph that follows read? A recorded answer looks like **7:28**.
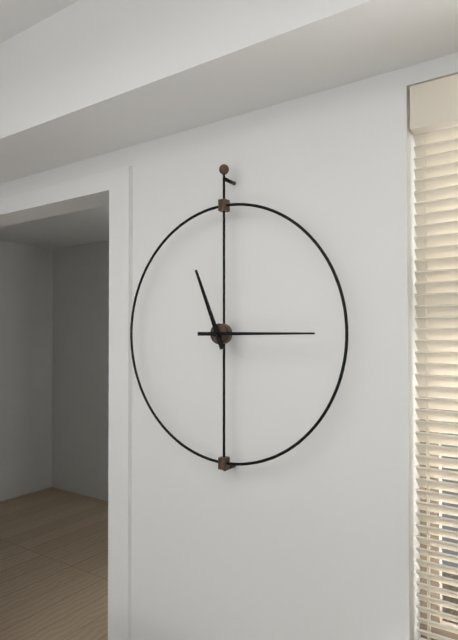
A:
**11:15**
